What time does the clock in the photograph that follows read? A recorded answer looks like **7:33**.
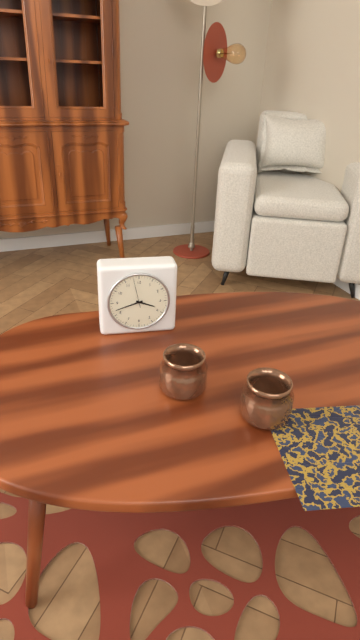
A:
**3:42**
